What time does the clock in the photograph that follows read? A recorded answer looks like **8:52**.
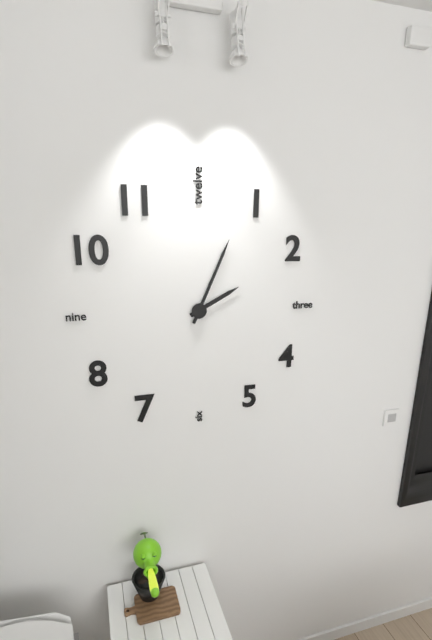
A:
**2:04**
